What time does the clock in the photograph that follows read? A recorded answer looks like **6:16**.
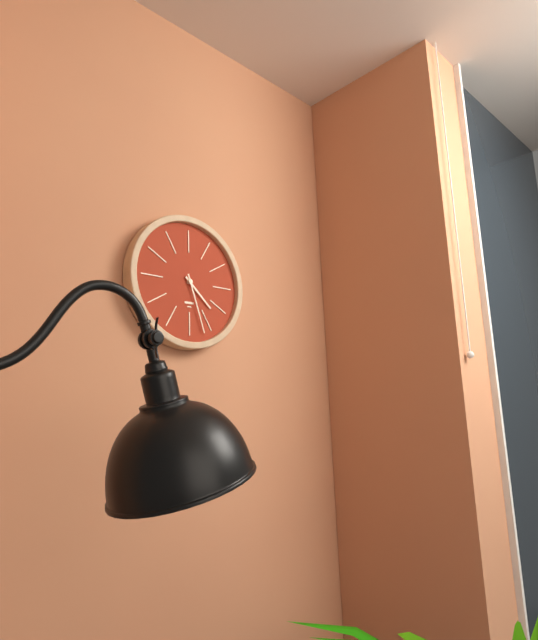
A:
**4:27**
